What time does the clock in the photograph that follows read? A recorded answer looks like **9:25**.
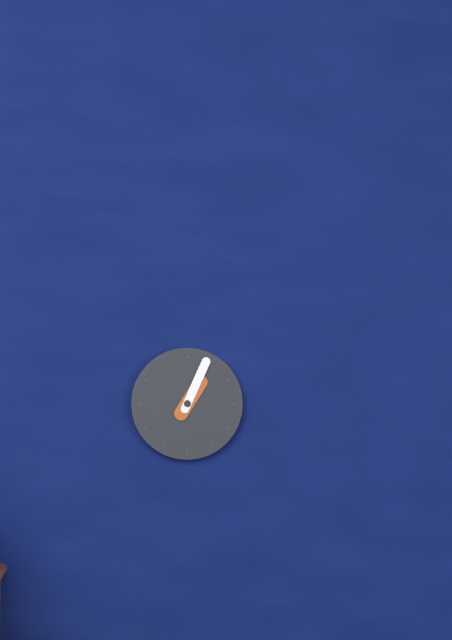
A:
**1:04**
